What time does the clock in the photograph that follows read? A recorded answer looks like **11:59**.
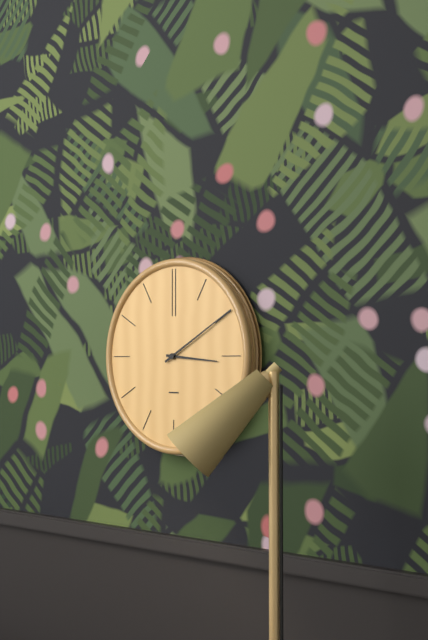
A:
**3:10**
